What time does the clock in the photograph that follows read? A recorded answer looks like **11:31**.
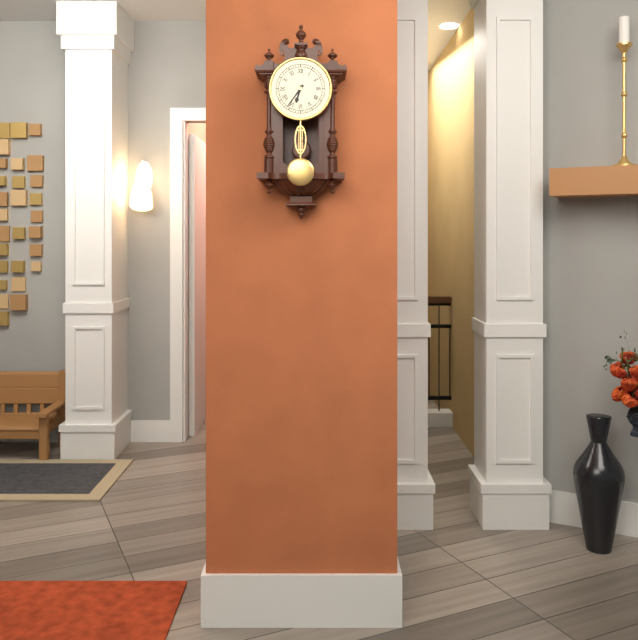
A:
**6:36**
